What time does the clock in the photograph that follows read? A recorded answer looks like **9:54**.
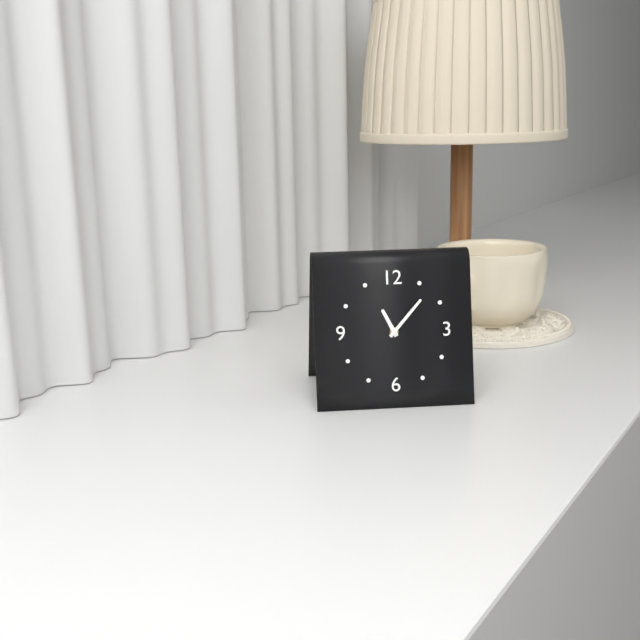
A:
**11:07**
